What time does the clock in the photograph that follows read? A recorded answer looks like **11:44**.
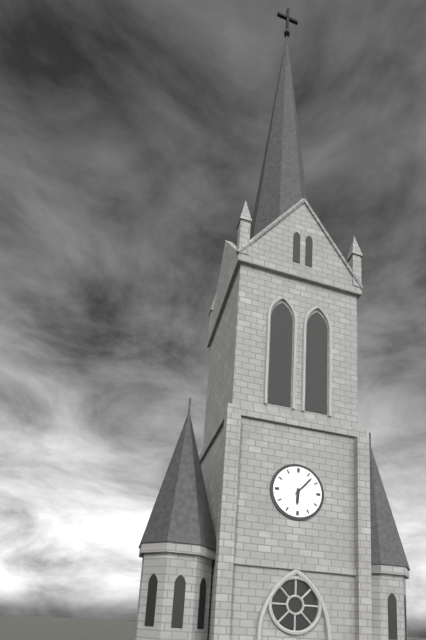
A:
**6:07**
